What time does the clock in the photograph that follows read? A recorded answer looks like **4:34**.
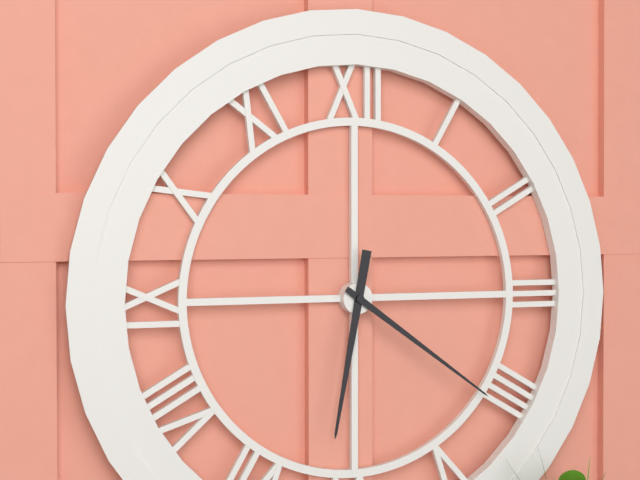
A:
**6:21**
